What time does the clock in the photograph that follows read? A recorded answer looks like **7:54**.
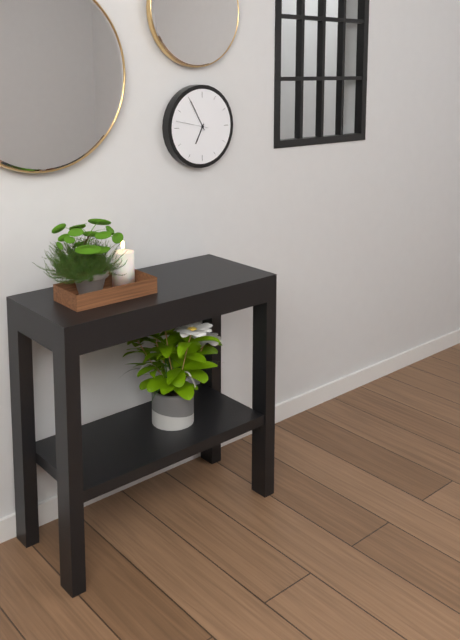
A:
**6:55**
